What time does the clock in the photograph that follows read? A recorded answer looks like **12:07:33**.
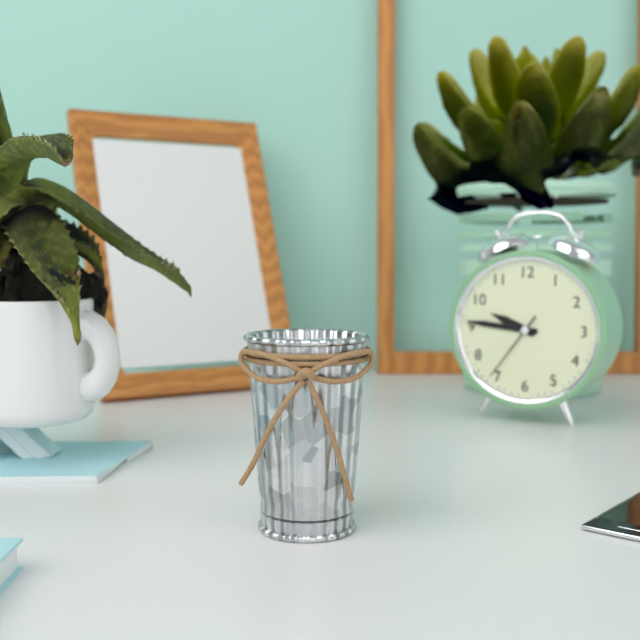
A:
**9:46:36**
